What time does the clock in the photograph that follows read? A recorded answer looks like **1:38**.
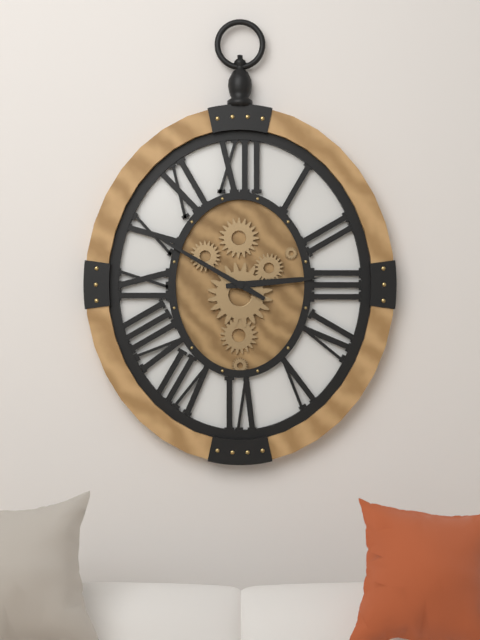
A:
**2:50**
